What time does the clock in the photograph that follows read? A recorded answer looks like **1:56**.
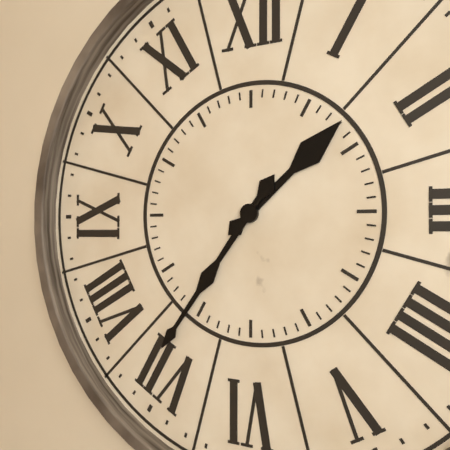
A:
**1:36**
